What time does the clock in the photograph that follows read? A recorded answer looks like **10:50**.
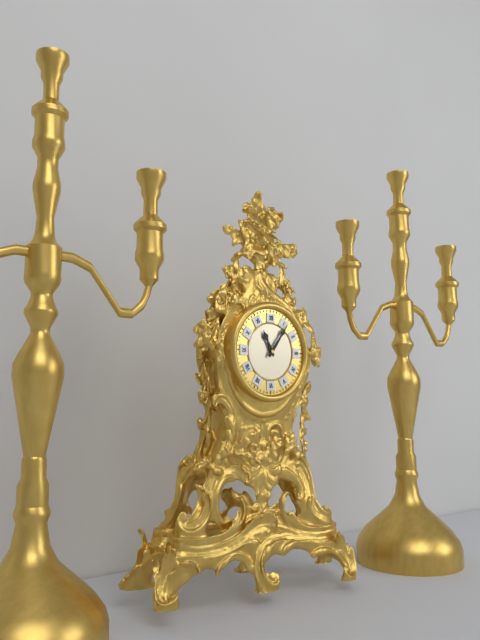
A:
**11:06**
